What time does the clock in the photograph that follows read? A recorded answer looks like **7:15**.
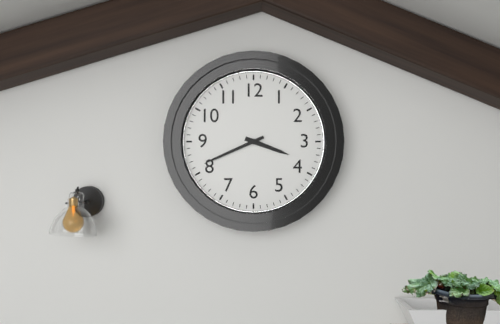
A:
**3:41**
